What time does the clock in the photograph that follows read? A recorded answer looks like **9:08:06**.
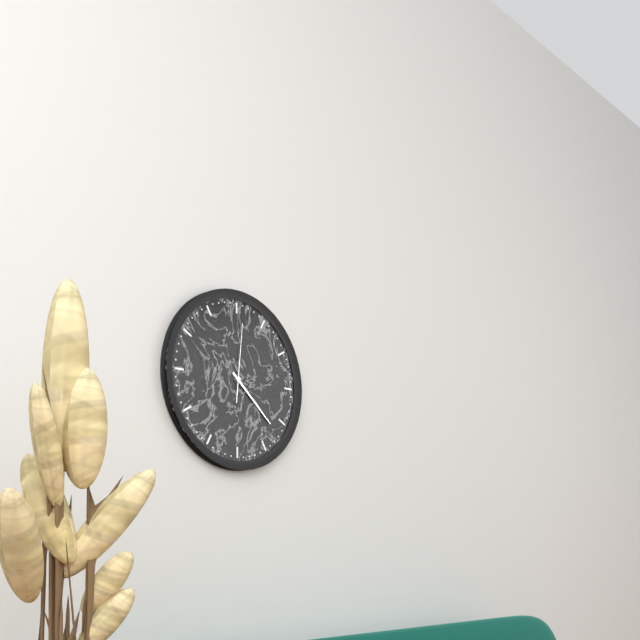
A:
**4:22:01**
